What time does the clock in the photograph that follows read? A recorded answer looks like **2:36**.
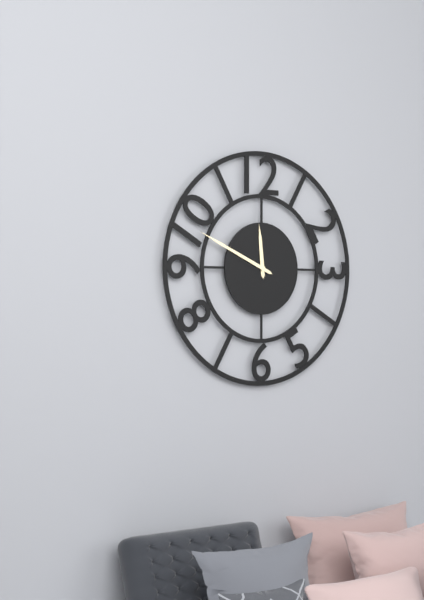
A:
**11:49**
